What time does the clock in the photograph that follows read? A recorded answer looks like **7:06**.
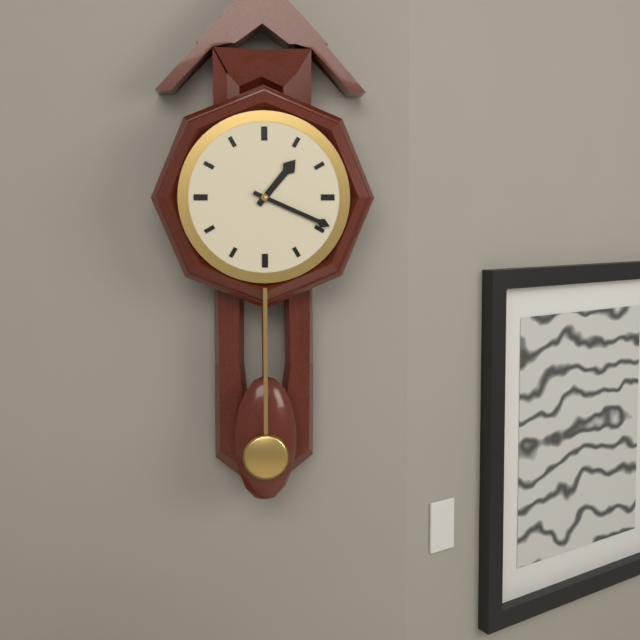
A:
**1:19**
